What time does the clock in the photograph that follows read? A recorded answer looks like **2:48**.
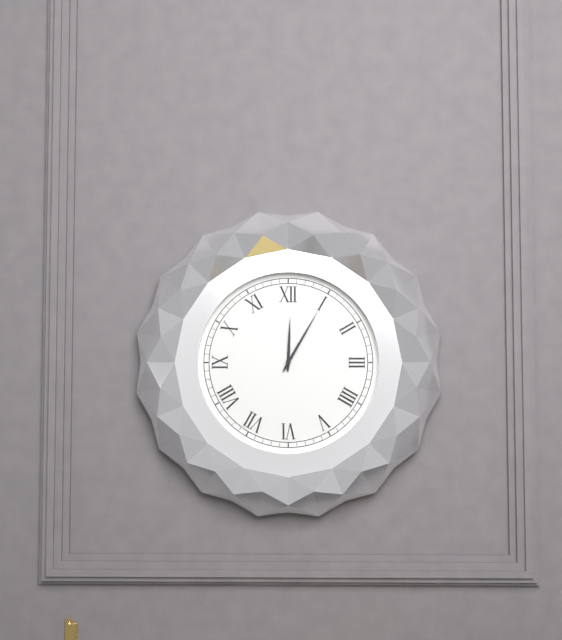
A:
**12:05**
